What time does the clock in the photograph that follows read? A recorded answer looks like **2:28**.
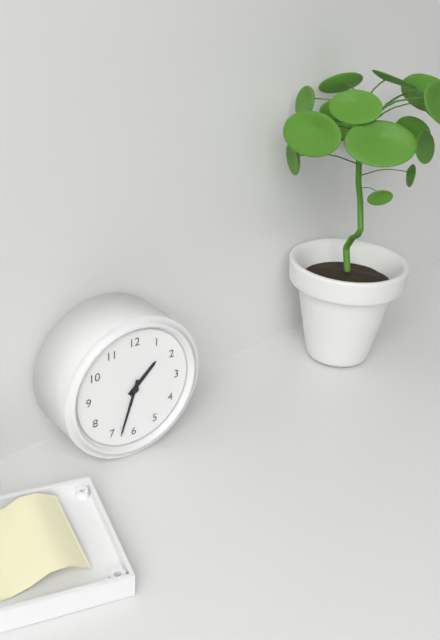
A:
**1:33**
